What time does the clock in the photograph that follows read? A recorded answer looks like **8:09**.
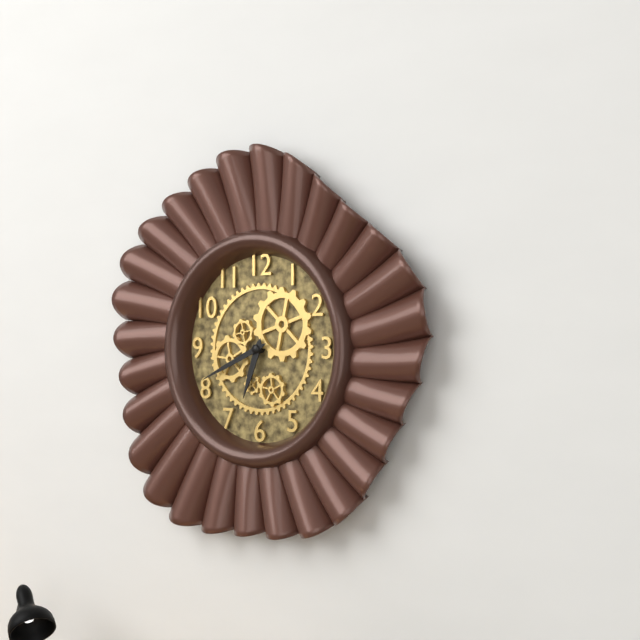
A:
**6:41**
